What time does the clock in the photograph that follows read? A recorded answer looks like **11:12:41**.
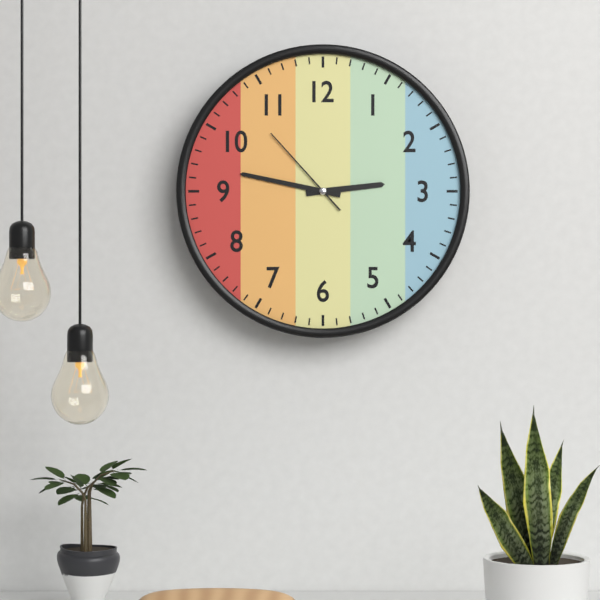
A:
**2:47:53**
